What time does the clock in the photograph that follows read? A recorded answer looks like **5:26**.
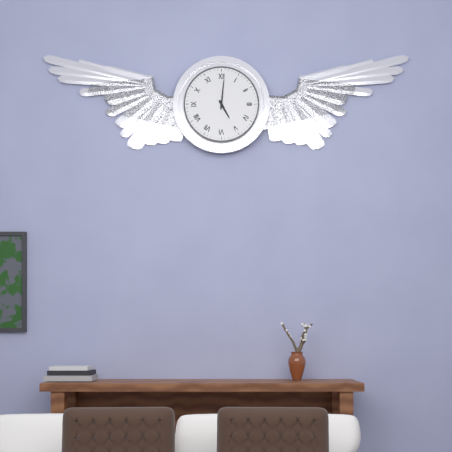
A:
**5:01**
